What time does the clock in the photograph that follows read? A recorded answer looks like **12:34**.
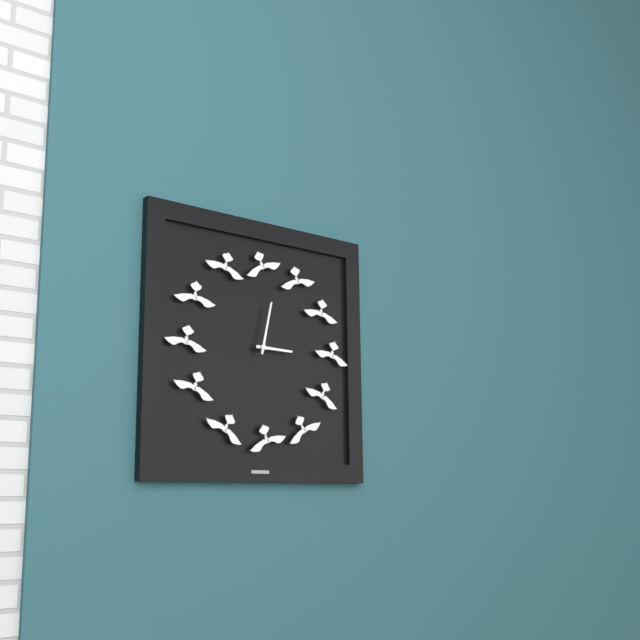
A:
**3:02**
